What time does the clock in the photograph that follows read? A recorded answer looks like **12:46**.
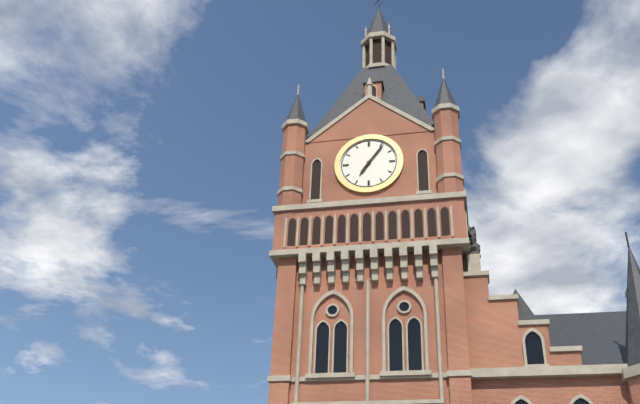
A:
**7:06**
